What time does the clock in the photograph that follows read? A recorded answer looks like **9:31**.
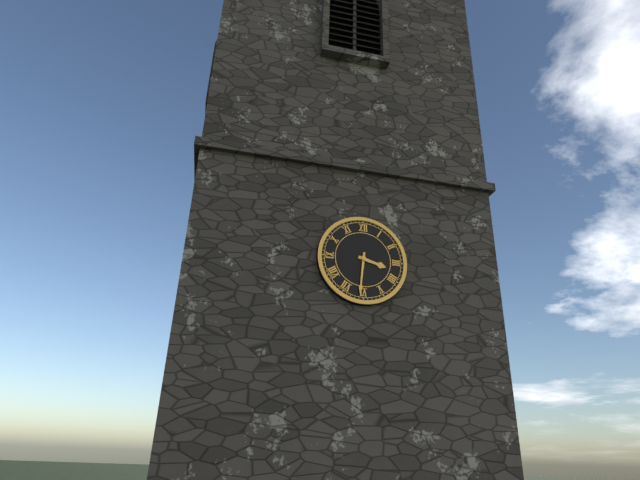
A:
**3:31**
